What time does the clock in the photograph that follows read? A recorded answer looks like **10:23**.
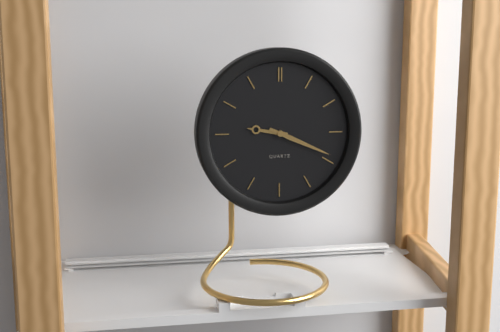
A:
**9:19**
